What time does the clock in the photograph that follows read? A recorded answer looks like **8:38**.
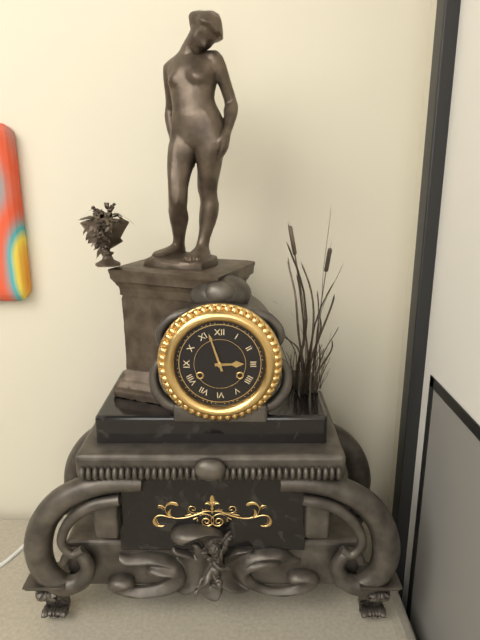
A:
**2:57**
